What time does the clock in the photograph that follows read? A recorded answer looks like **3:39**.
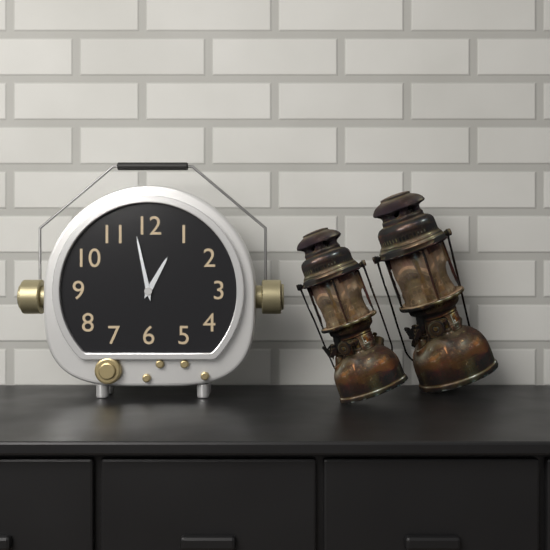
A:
**12:58**
